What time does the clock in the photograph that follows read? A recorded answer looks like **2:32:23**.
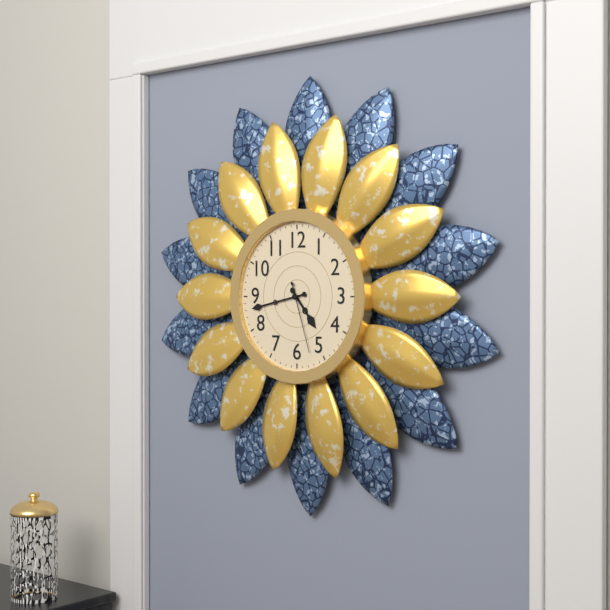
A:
**4:43:27**
